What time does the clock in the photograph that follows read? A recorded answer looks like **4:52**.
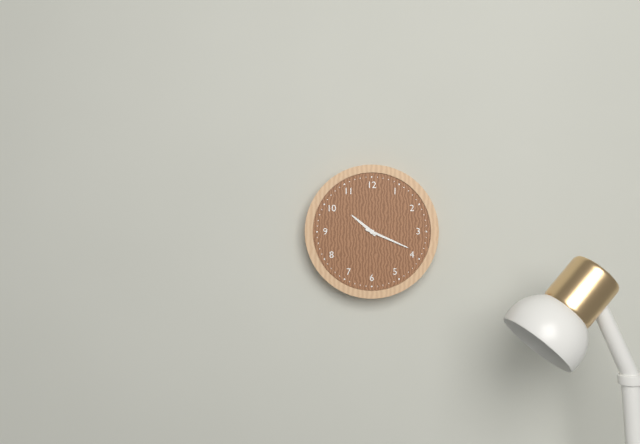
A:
**10:19**
